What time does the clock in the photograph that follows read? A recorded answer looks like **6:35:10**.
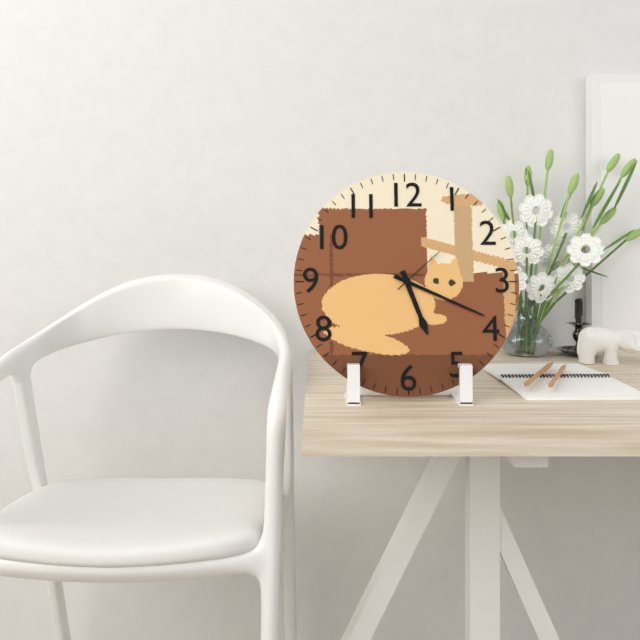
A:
**5:19:08**
